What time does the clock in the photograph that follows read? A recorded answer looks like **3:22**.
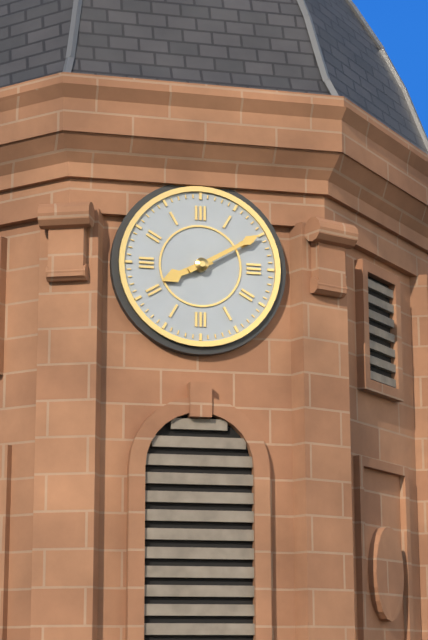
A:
**8:10**
